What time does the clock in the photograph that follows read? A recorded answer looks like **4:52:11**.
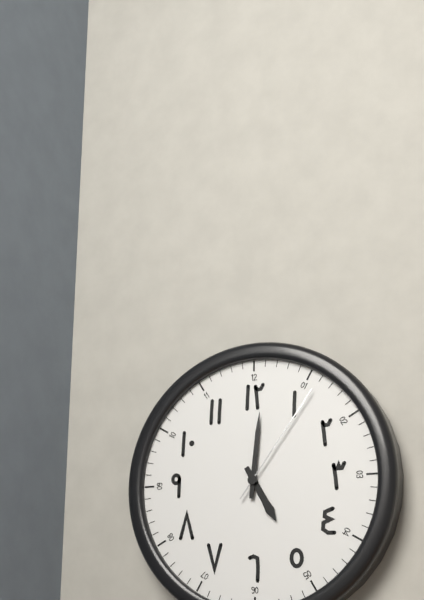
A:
**5:01:06**
